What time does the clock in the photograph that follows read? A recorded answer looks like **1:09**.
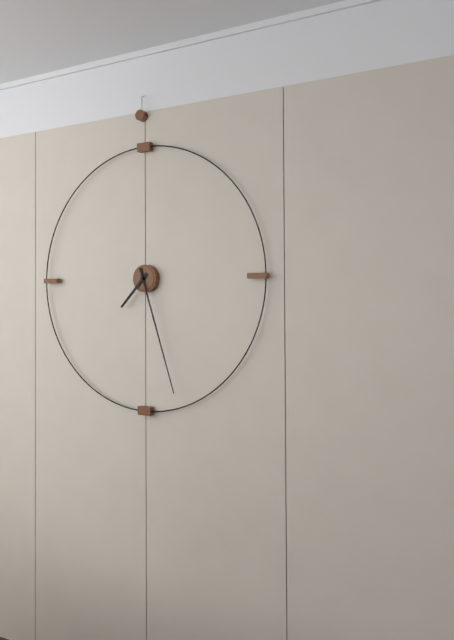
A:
**7:27**
